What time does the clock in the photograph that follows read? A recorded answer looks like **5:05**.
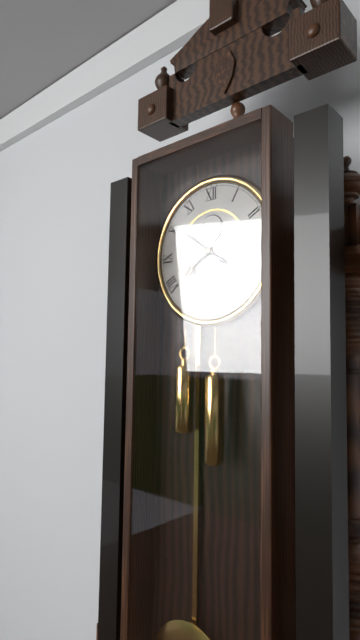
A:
**7:51**
